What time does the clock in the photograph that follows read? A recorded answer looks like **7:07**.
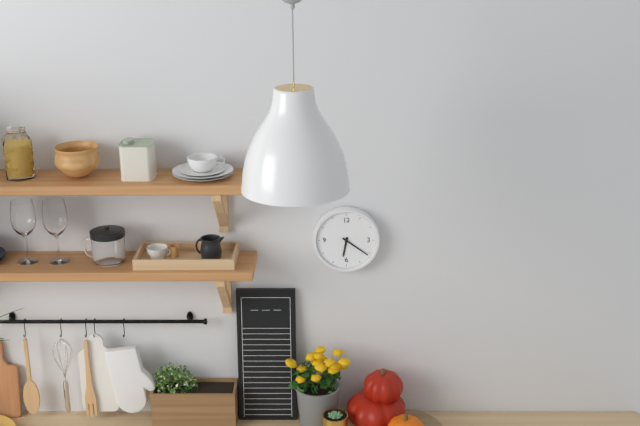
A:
**6:21**
